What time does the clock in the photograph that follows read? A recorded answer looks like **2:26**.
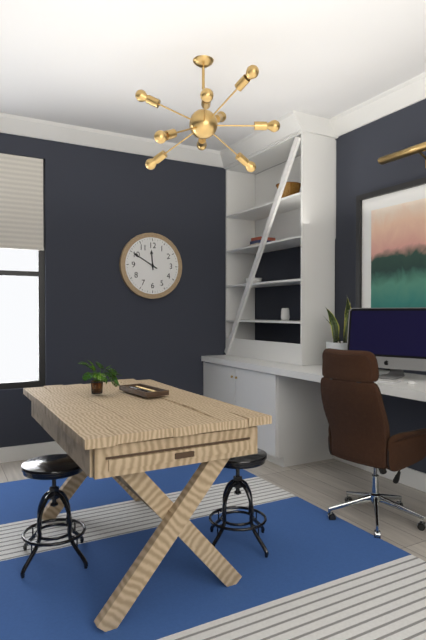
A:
**11:50**
